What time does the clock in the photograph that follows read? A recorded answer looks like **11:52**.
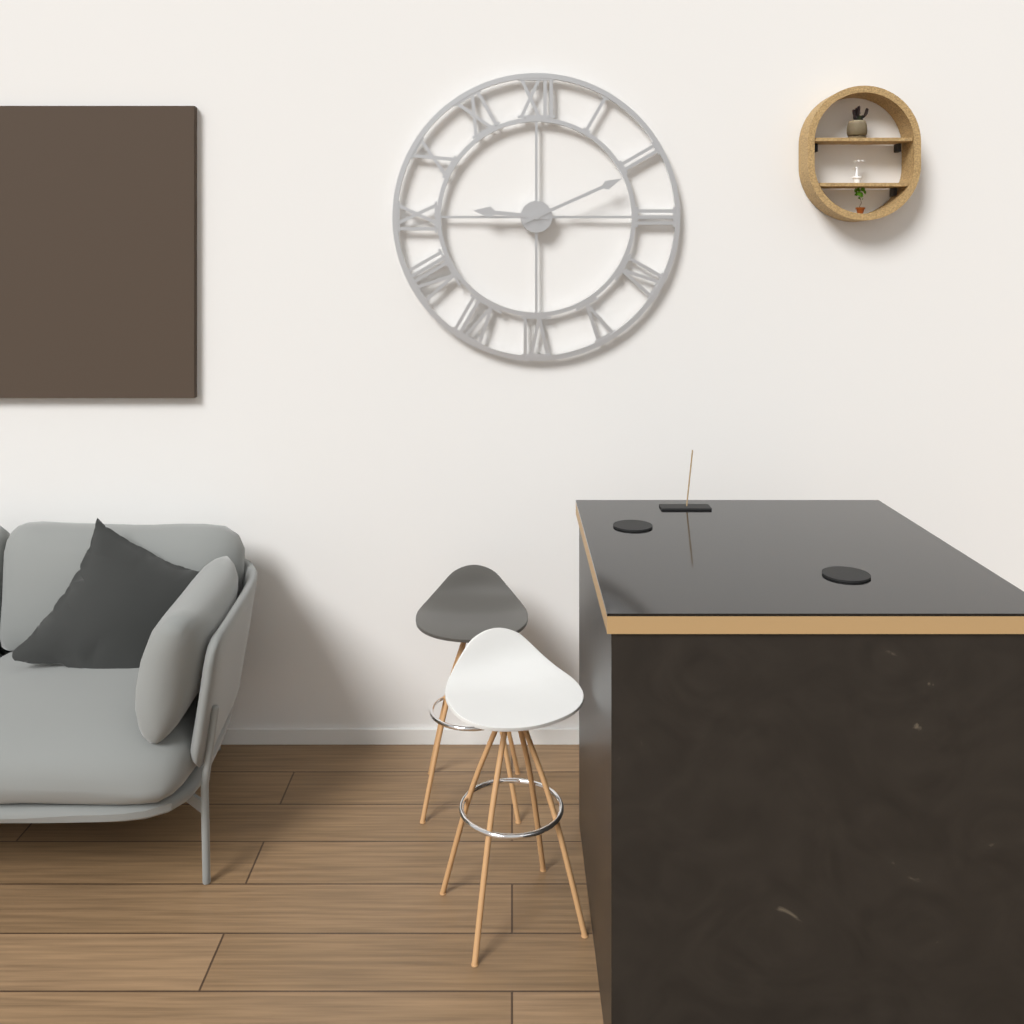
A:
**9:11**
